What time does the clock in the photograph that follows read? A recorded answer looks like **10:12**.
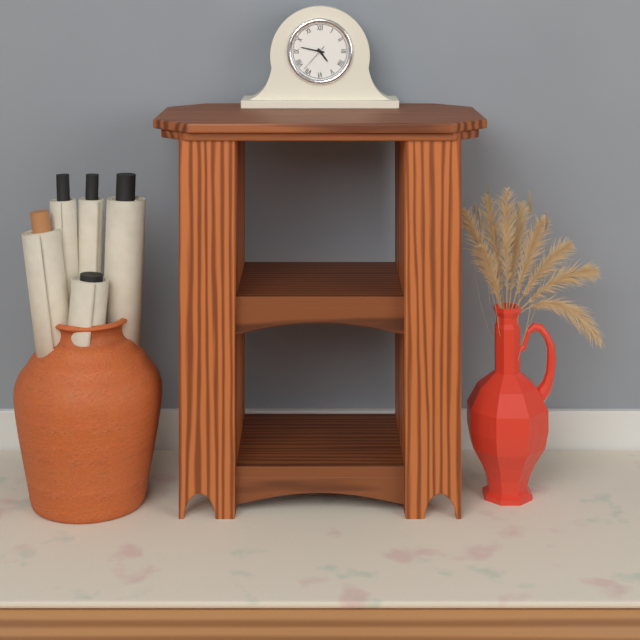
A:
**4:47**
